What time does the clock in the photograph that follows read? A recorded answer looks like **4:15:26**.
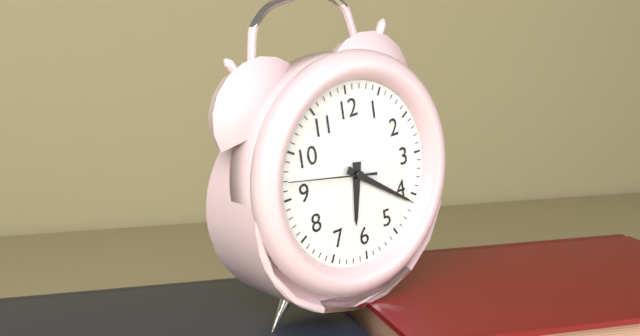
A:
**6:21:47**
